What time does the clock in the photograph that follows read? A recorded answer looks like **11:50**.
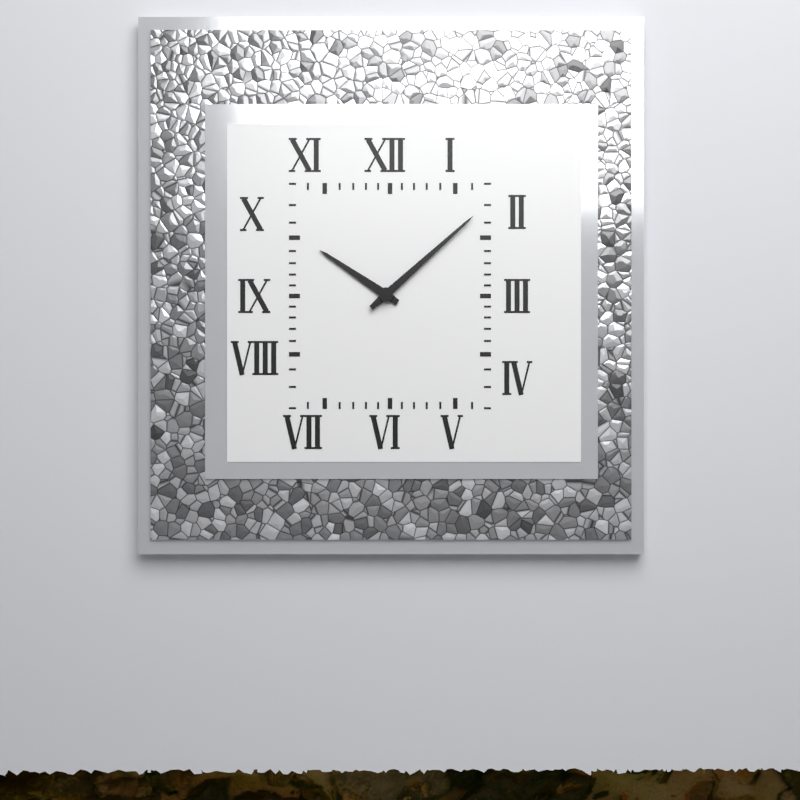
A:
**10:08**
